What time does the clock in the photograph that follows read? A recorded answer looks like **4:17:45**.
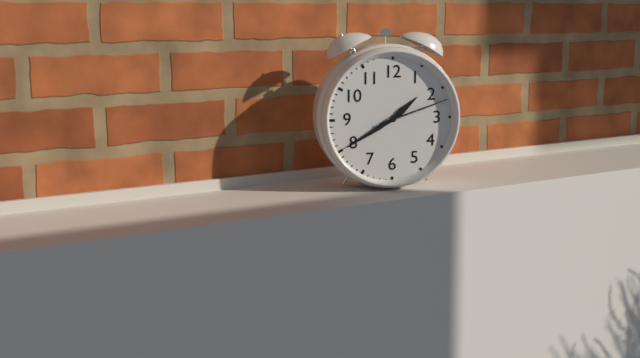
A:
**1:40:12**
